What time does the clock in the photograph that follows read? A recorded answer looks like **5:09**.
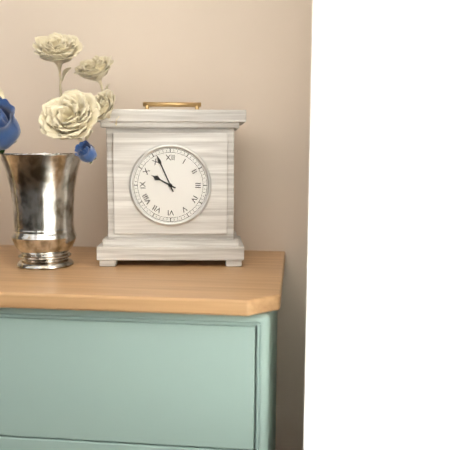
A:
**9:56**
